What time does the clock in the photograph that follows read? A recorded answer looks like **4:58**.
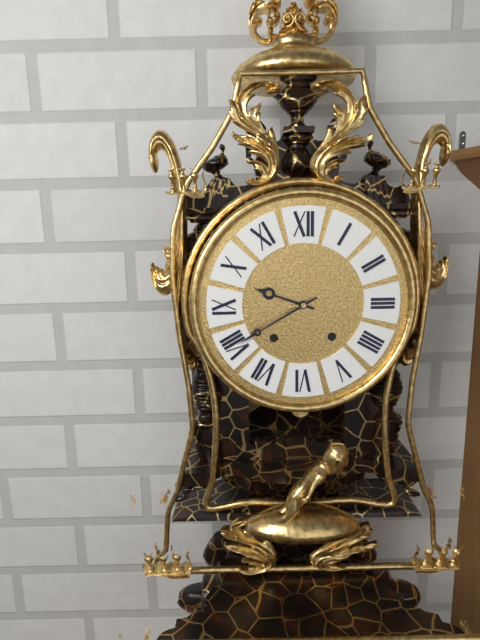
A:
**9:40**
